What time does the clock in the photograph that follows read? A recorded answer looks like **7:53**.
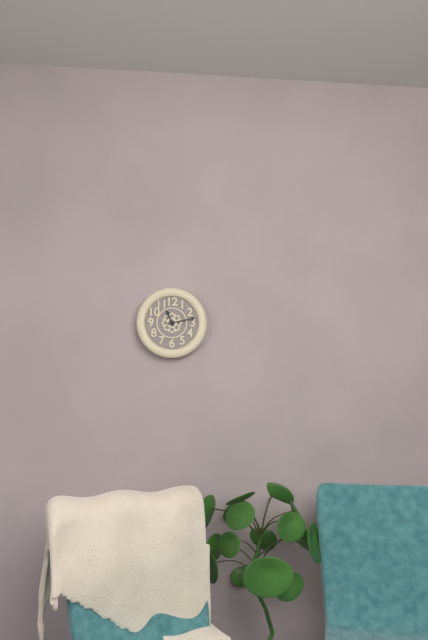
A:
**11:13**
